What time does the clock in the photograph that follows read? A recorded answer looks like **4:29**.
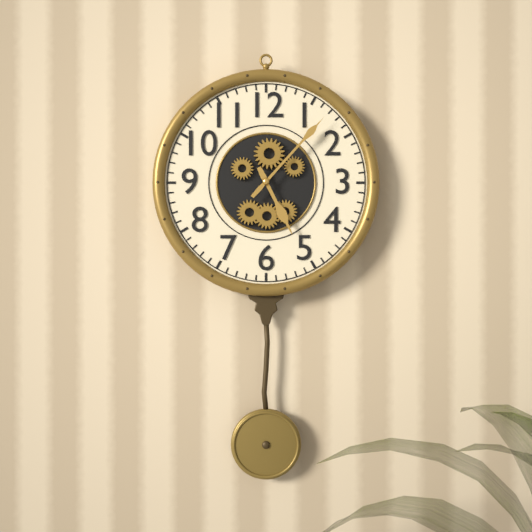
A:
**5:07**
